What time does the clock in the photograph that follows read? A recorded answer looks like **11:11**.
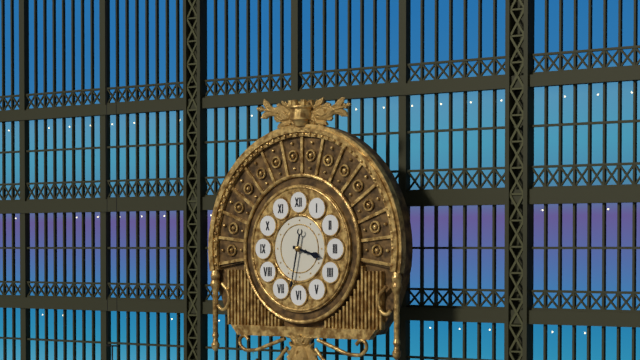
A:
**3:32**
